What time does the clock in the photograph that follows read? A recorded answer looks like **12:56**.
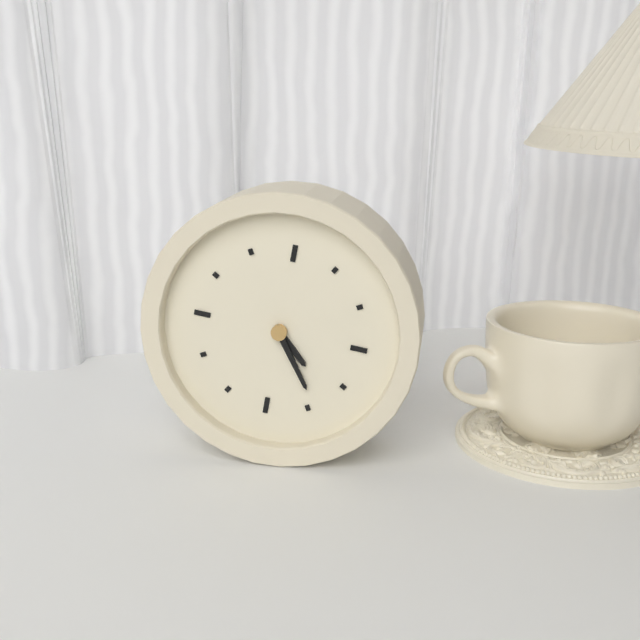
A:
**4:24**
